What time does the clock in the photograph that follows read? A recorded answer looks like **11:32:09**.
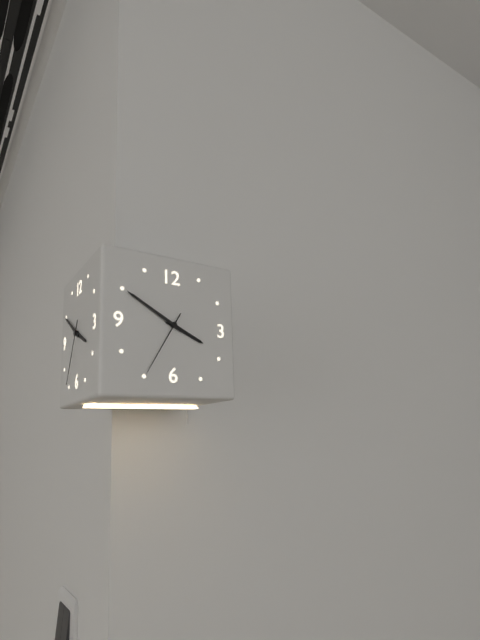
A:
**3:50:35**
